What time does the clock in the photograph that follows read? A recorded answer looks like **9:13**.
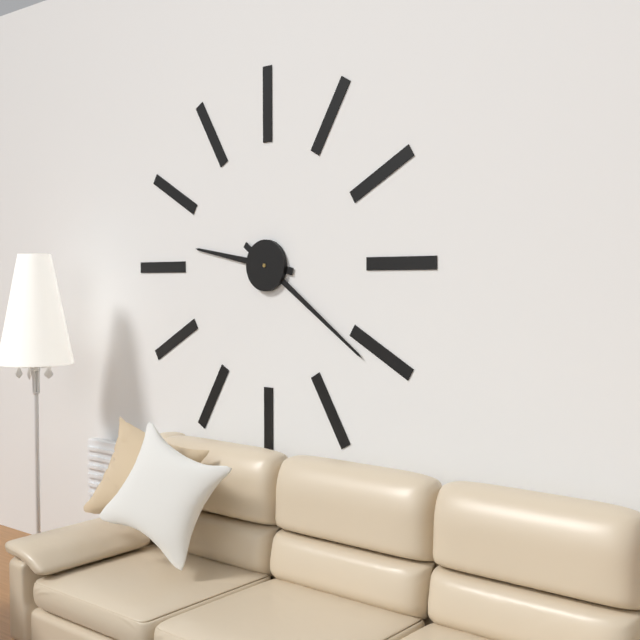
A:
**9:21**
